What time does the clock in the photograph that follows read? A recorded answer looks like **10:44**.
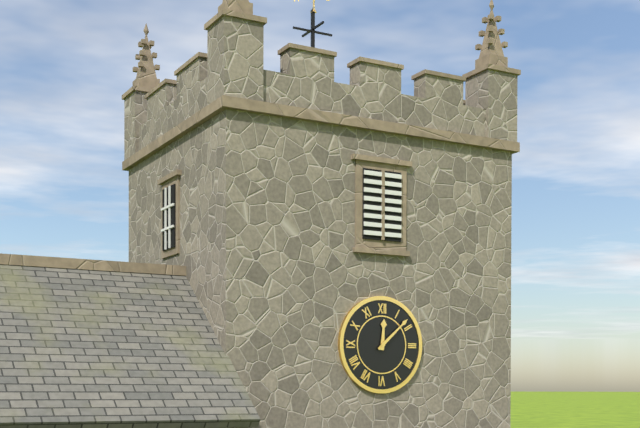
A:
**12:08**
